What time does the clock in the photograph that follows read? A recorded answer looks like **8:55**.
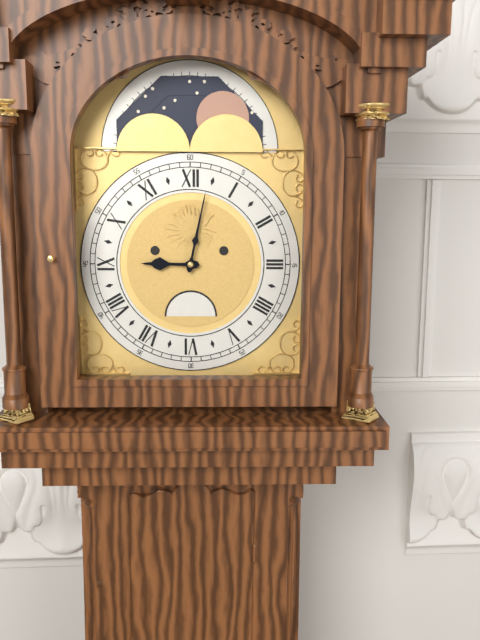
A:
**9:02**
